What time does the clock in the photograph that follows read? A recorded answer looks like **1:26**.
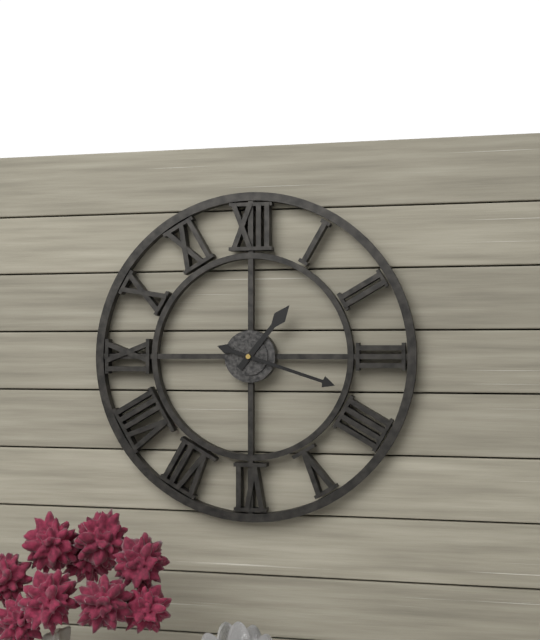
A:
**1:18**
